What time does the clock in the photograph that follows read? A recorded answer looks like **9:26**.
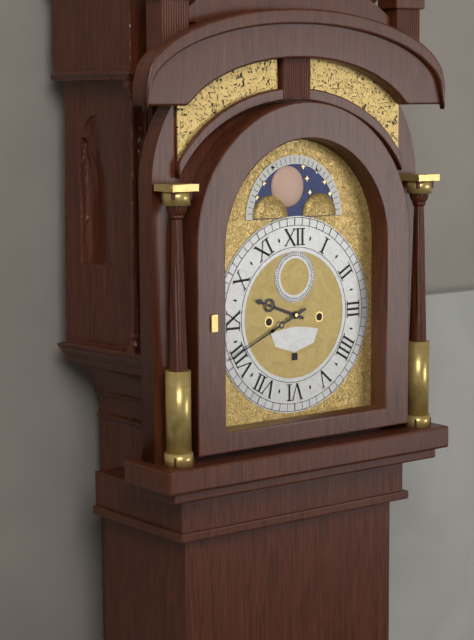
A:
**9:41**
